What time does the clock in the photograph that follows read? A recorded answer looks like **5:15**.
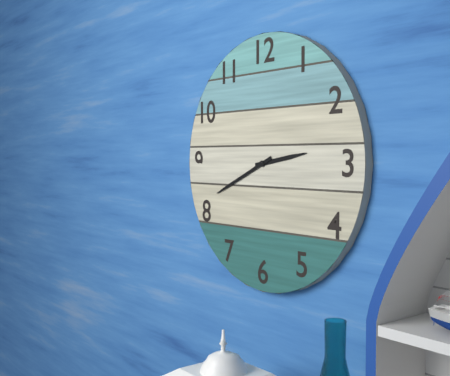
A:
**2:41**
